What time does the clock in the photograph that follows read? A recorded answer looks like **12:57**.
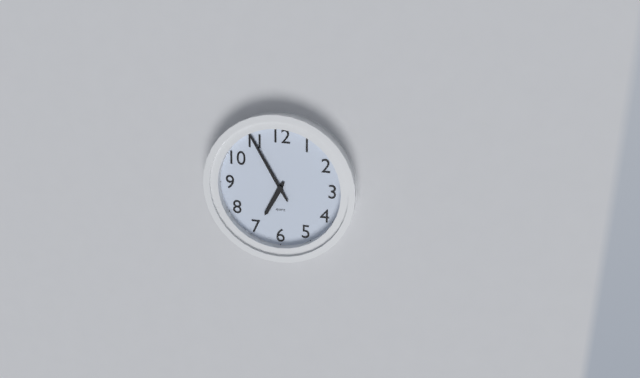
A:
**6:55**
